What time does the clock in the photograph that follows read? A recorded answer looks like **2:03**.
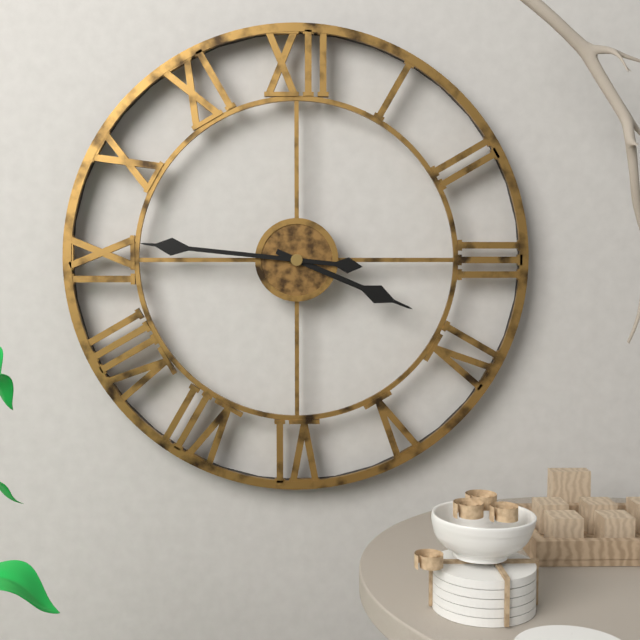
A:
**3:46**
